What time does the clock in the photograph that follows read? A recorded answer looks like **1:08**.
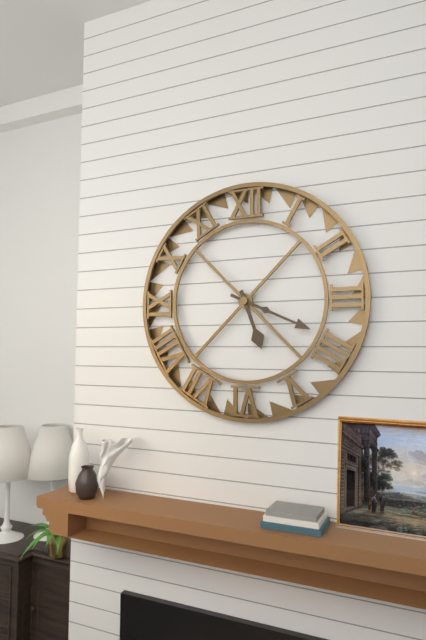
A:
**5:19**
